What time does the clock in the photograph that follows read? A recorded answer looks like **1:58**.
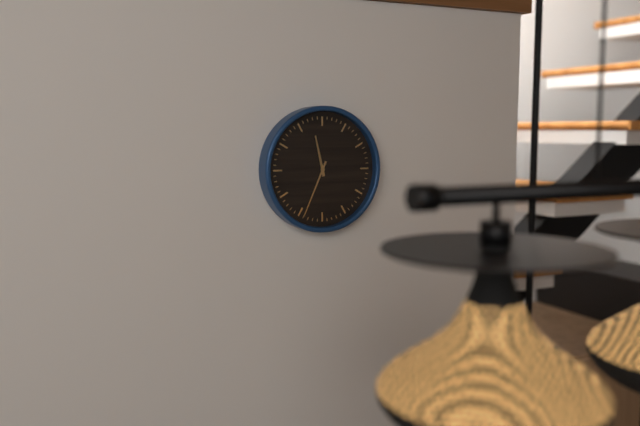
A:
**11:34**
